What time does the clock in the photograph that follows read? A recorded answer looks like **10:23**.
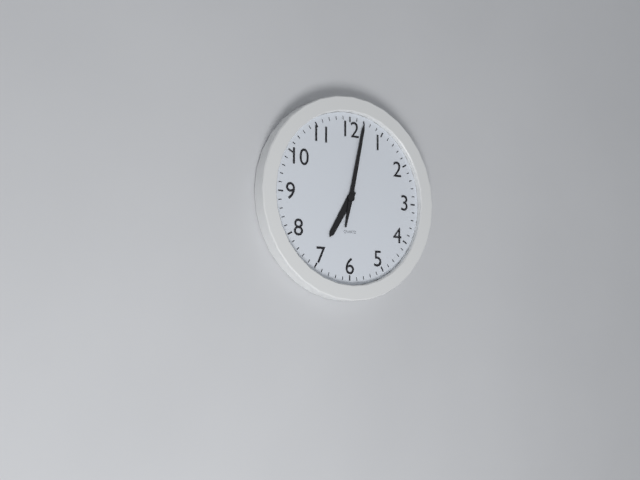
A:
**7:02**
